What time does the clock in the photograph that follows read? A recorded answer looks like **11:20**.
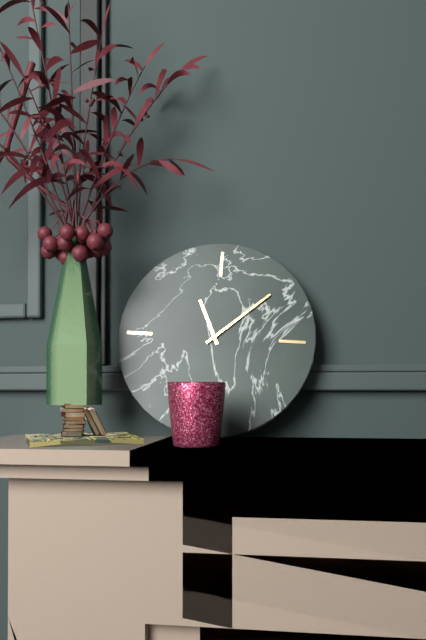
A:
**11:08**
